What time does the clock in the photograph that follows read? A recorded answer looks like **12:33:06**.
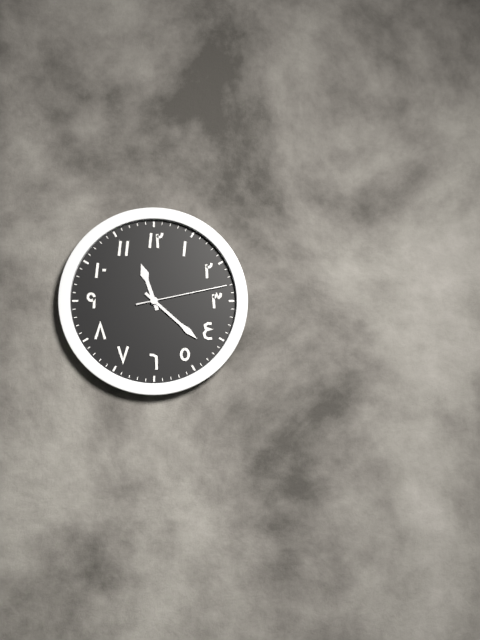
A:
**11:22:13**
